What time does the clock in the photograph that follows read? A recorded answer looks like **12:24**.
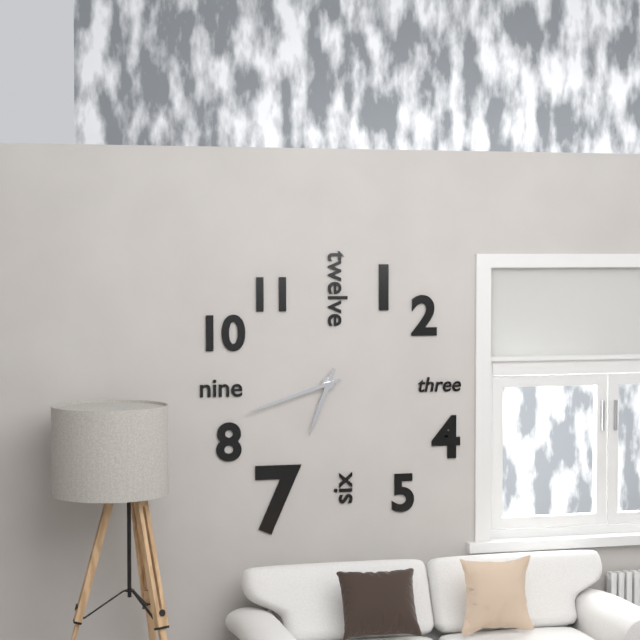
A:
**6:42**
